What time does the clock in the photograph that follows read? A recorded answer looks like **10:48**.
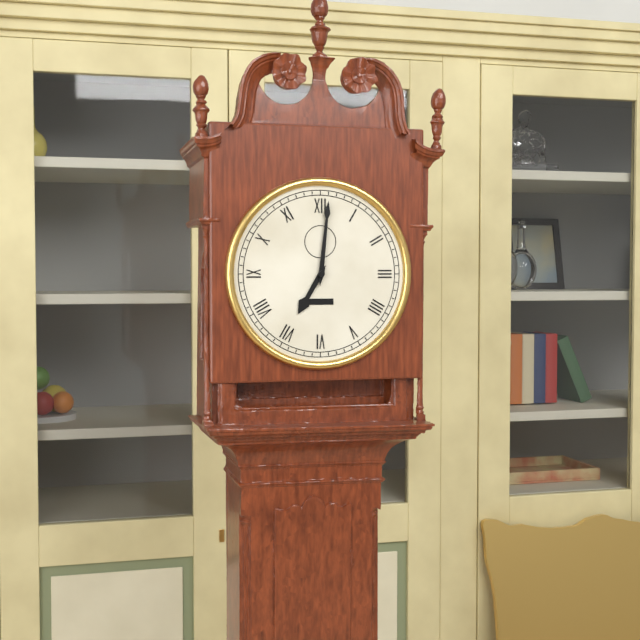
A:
**7:01**
